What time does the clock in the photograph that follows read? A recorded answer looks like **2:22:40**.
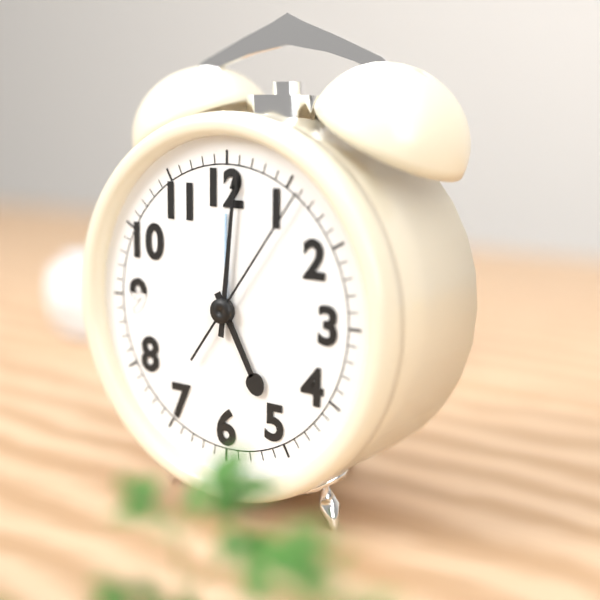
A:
**5:01:06**
